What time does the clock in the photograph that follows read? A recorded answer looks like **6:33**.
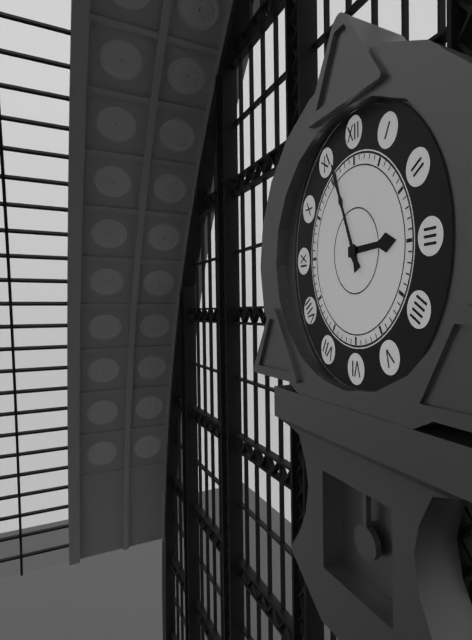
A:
**2:56**
